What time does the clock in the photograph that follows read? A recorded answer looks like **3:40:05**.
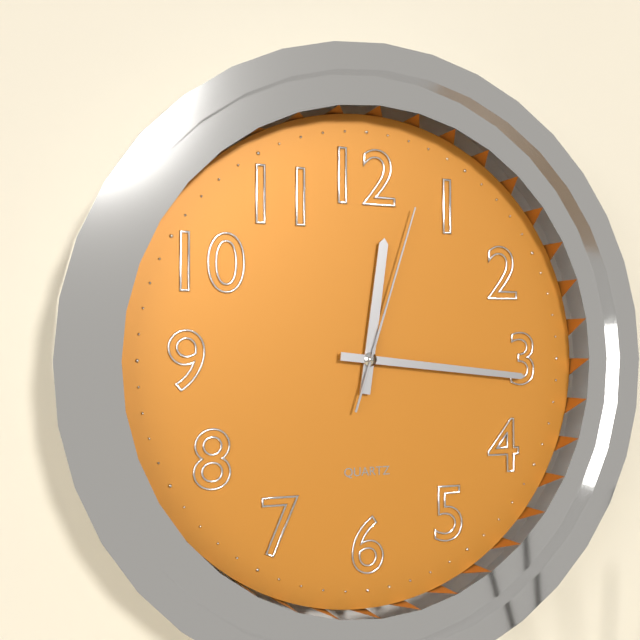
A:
**12:16:03**
